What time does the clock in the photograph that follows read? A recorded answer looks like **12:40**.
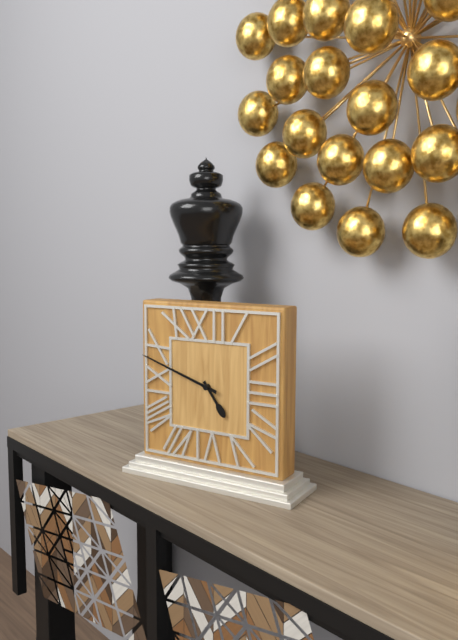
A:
**4:48**
